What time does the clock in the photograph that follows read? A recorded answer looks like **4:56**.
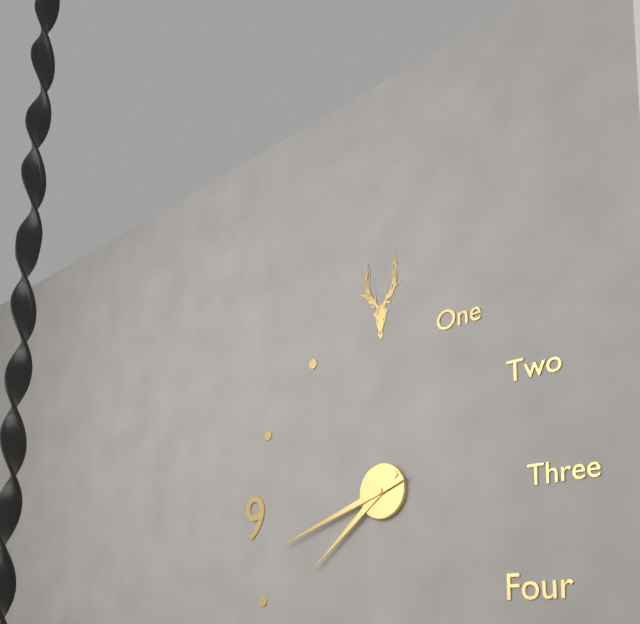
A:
**7:42**
